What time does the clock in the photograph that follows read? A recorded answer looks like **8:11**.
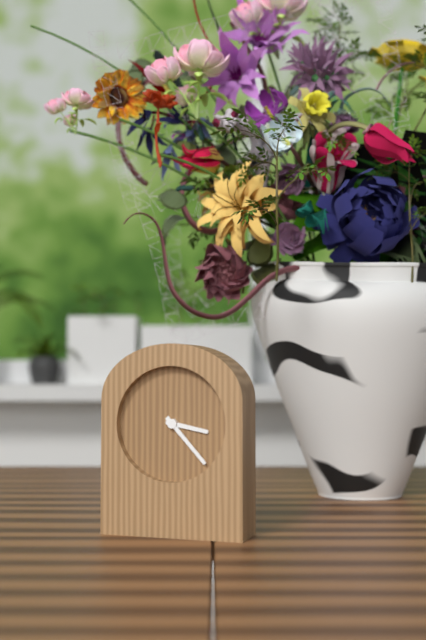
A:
**3:23**
